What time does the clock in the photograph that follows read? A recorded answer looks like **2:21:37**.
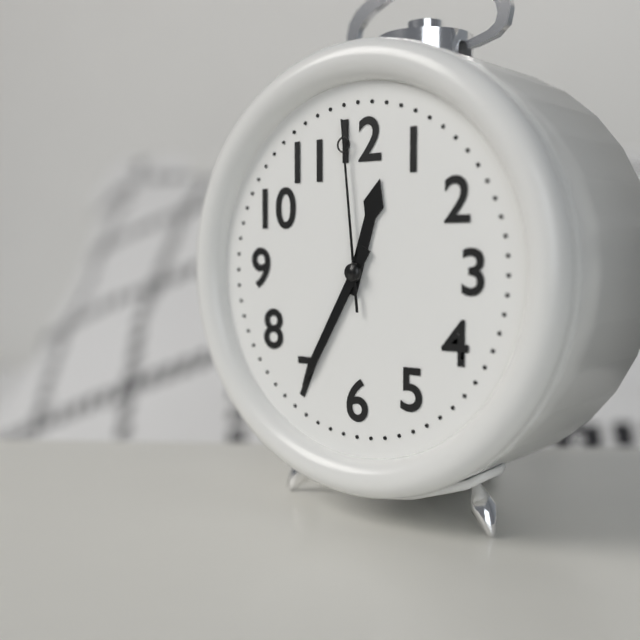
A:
**12:35:59**
